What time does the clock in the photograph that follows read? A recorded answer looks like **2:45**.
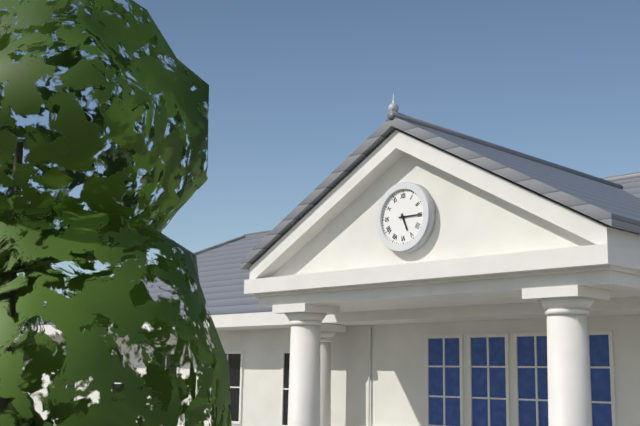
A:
**5:15**
